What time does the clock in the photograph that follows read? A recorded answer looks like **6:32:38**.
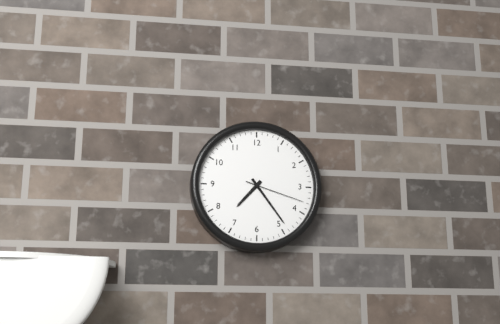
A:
**7:24:18**
